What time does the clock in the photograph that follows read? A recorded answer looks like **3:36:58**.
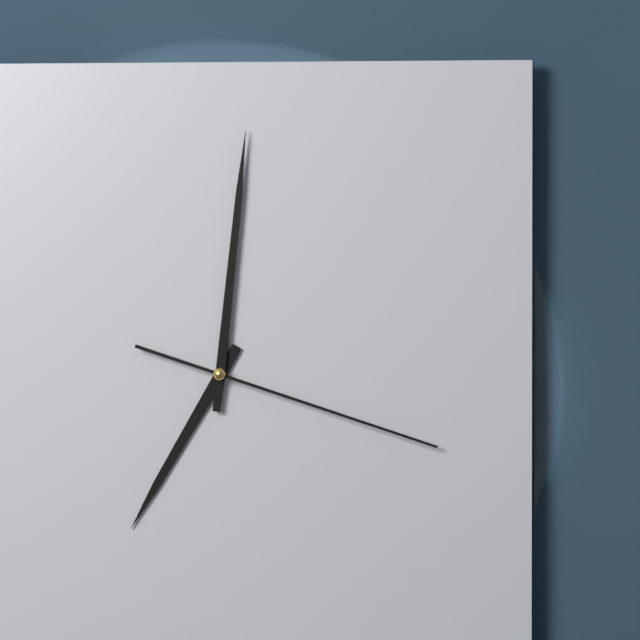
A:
**7:01:18**
